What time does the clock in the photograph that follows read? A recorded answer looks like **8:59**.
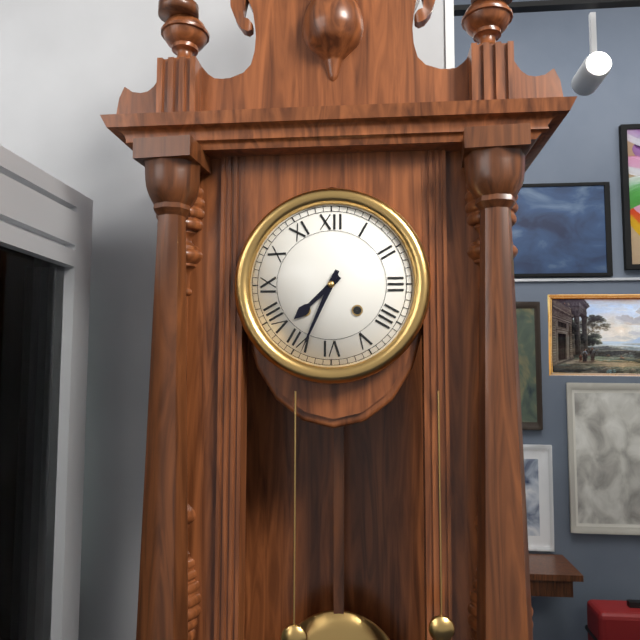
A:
**7:34**
